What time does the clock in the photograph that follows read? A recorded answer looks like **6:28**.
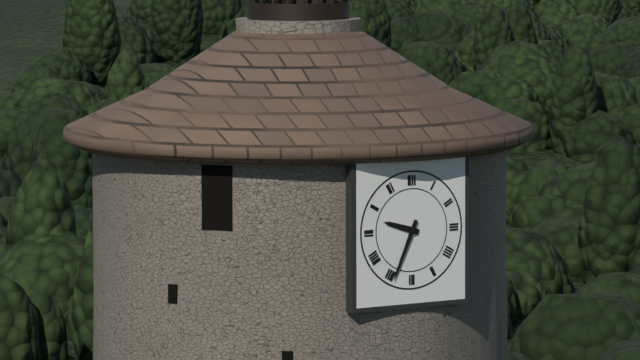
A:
**9:34**
